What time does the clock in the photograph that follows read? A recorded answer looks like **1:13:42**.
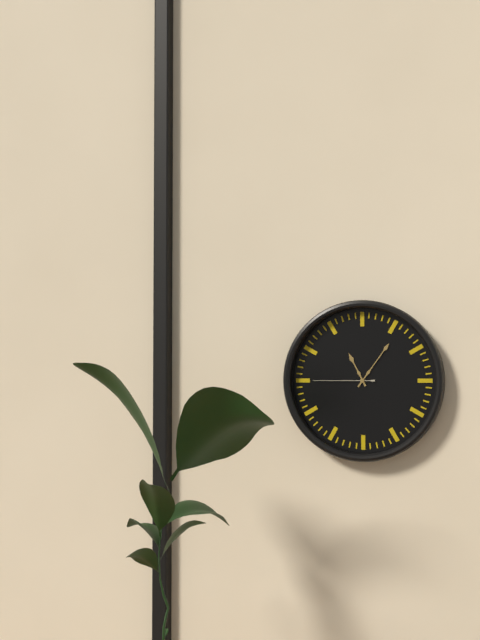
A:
**11:06:45**
